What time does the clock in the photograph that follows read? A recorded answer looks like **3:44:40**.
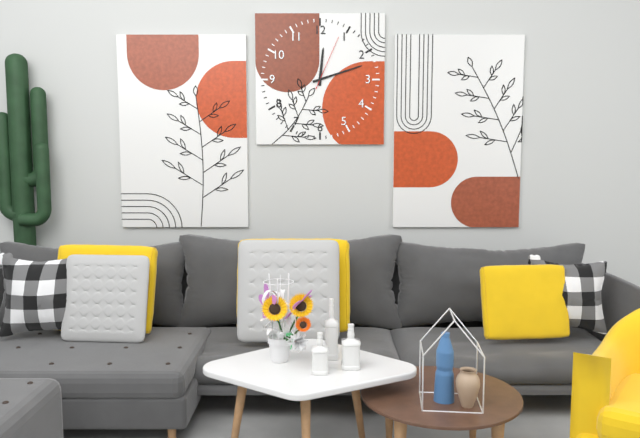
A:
**12:12:04**
